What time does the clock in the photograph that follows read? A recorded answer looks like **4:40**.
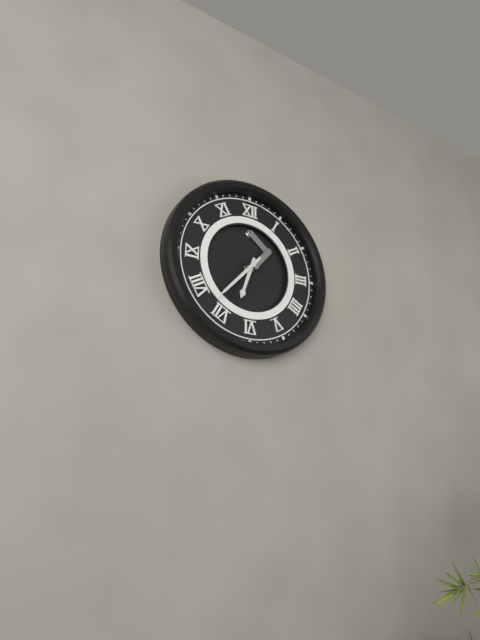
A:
**6:37**
